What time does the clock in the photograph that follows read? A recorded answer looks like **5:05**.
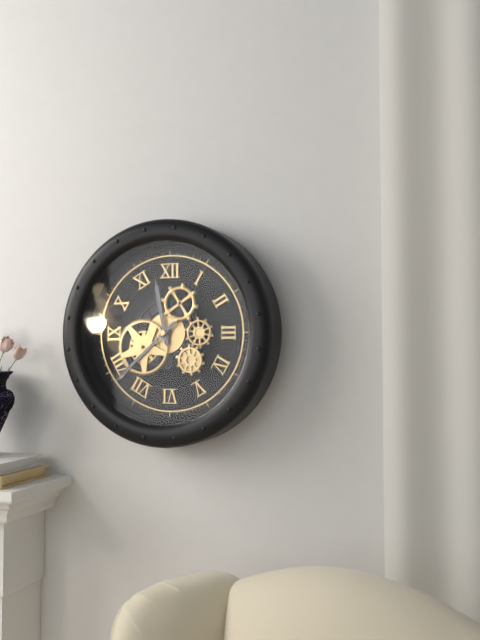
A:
**11:38**
